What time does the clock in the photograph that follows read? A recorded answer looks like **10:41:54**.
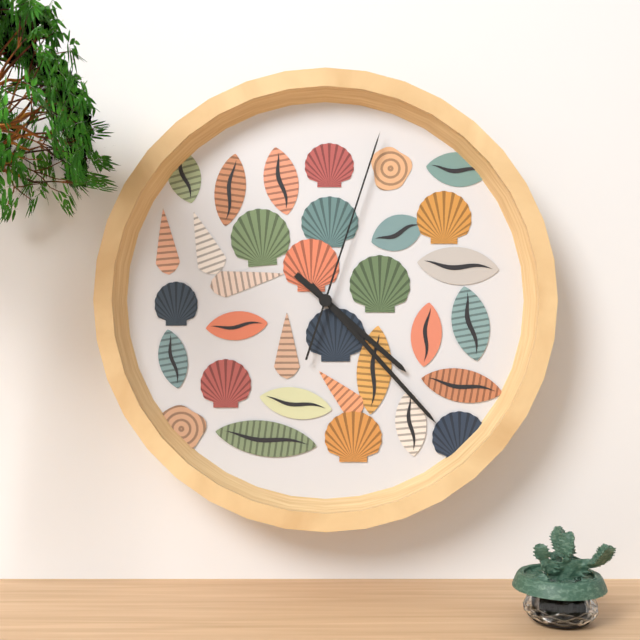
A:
**4:23:03**
